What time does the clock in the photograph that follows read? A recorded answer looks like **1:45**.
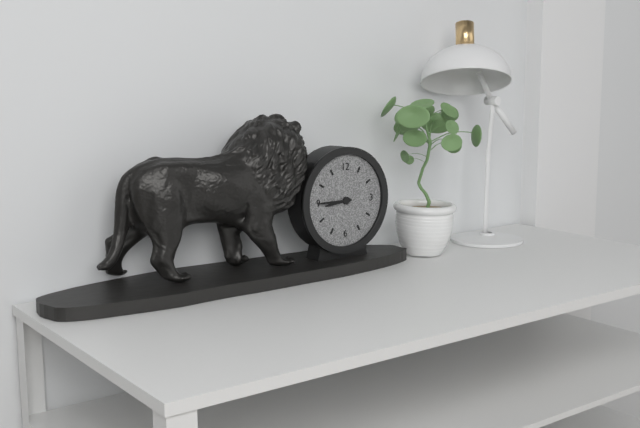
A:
**8:45**
